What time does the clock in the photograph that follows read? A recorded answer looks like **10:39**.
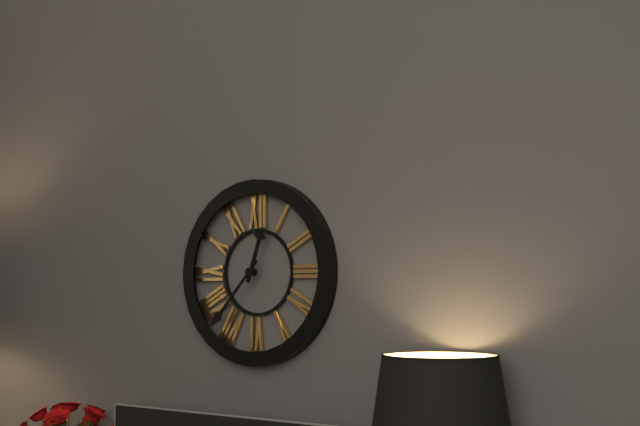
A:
**12:37**
